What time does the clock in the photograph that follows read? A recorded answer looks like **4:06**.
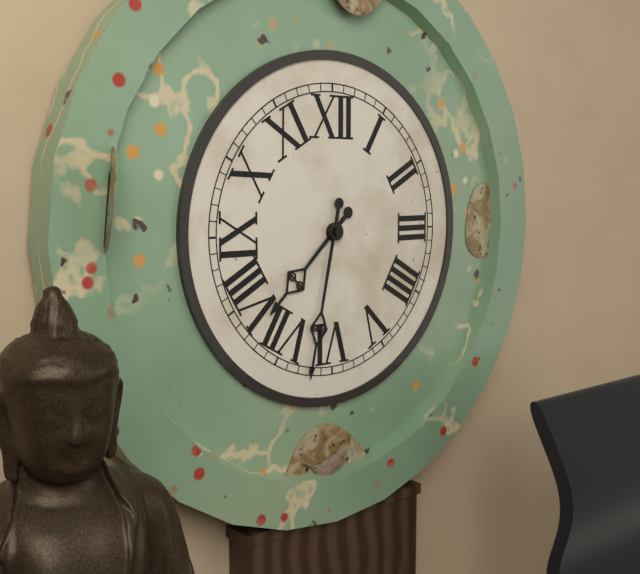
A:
**7:32**
